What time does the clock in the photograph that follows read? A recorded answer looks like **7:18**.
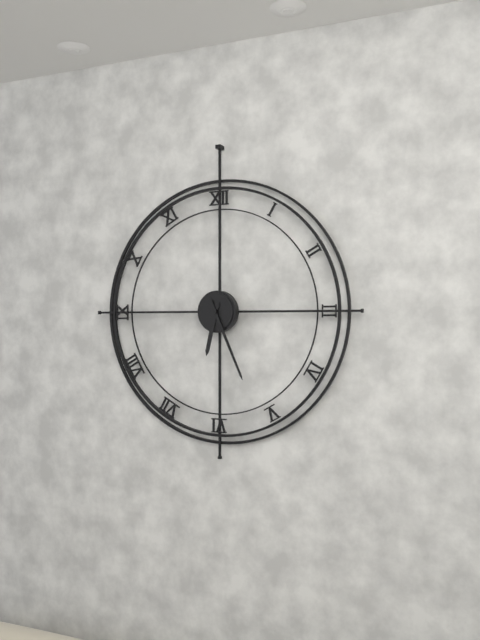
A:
**6:26**
